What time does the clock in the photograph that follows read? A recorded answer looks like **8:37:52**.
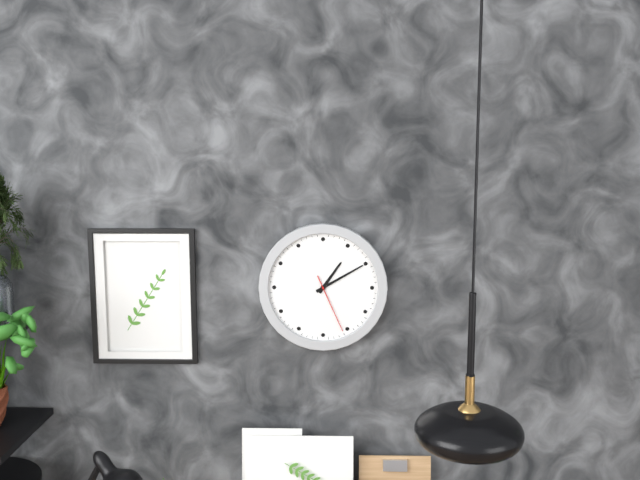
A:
**1:10:26**
